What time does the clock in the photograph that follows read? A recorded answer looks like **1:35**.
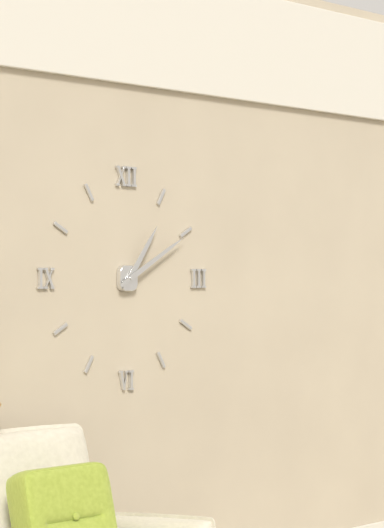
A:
**1:10**
